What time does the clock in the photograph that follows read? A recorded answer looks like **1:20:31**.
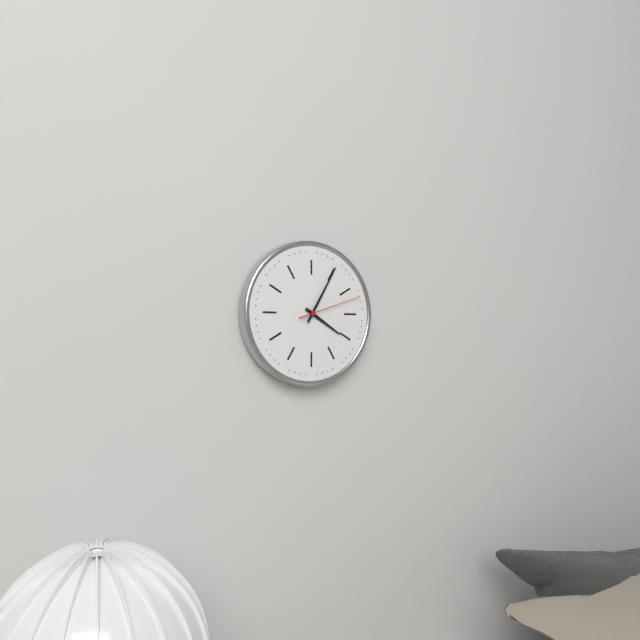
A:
**4:05:12**
